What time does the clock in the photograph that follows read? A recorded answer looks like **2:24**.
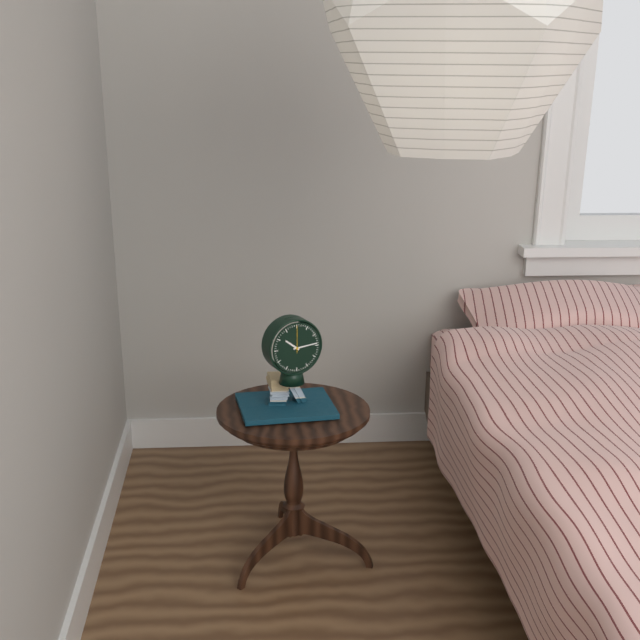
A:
**10:14**
